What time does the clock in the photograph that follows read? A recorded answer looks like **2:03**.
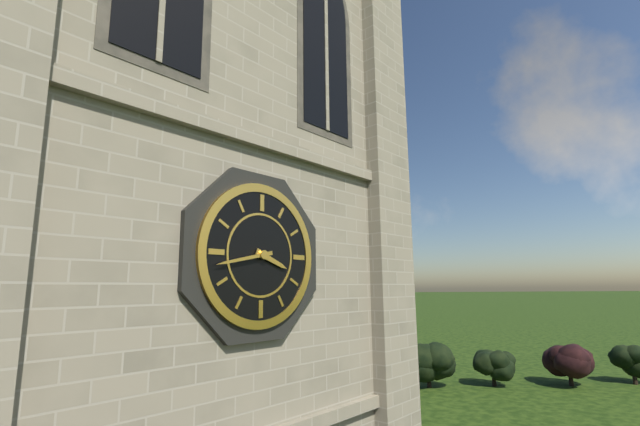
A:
**3:43**
